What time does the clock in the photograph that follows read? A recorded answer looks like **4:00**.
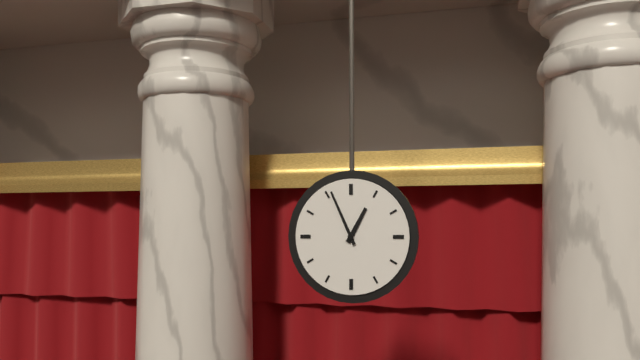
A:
**12:56**
